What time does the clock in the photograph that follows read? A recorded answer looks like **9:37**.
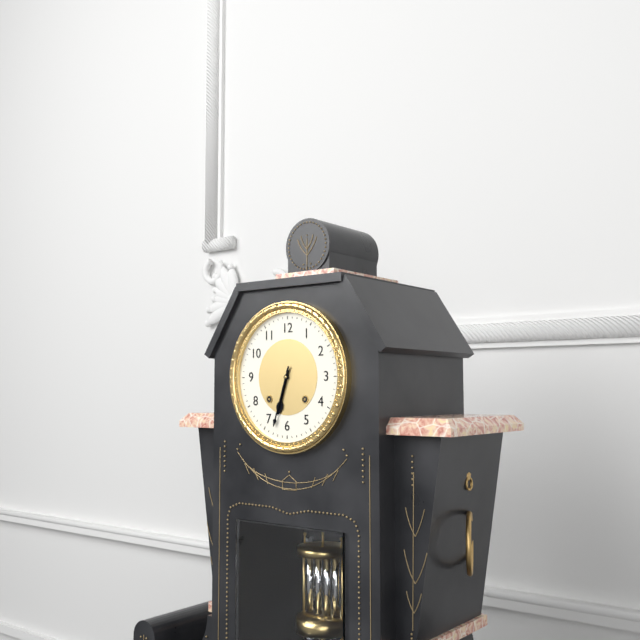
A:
**6:33**
